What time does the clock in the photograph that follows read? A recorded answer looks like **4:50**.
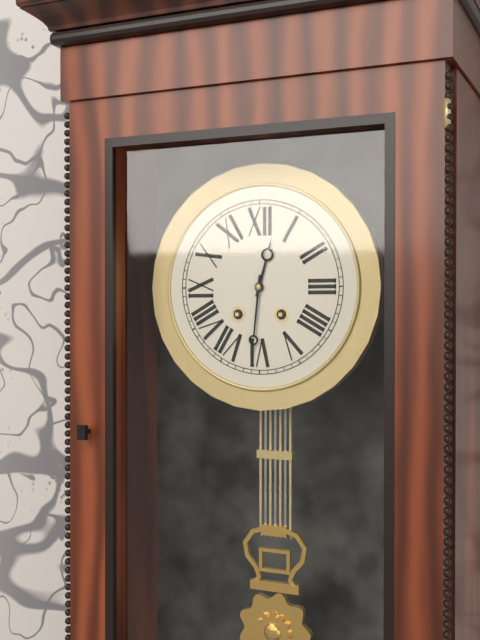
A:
**12:31**
